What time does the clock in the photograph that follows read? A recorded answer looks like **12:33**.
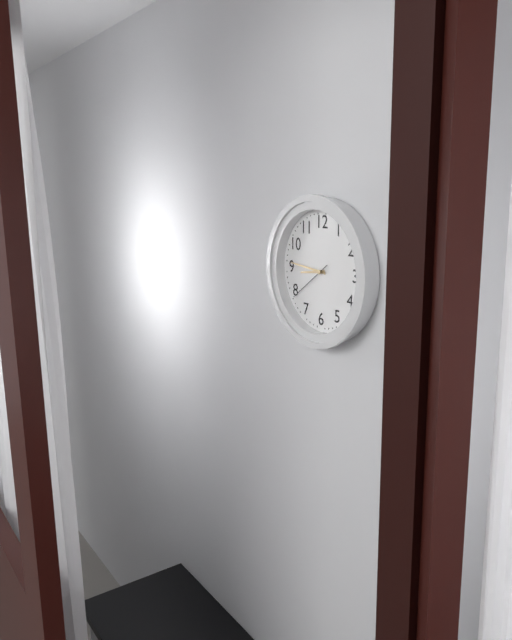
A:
**8:46**
